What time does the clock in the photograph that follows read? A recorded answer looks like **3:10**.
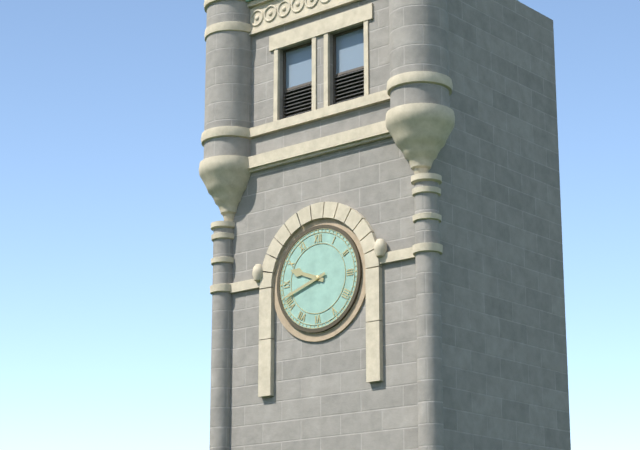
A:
**9:42**
